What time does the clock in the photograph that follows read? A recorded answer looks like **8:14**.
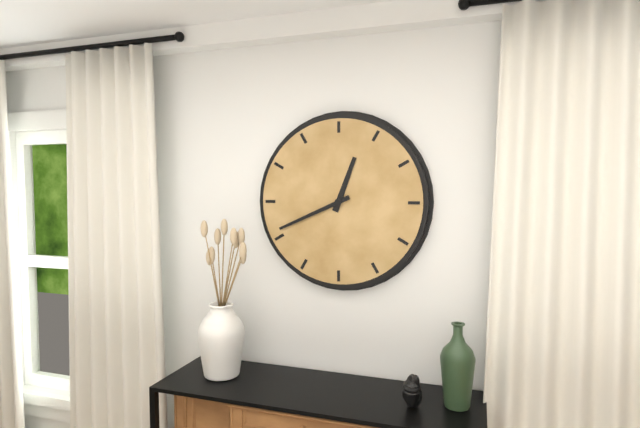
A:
**12:41**
